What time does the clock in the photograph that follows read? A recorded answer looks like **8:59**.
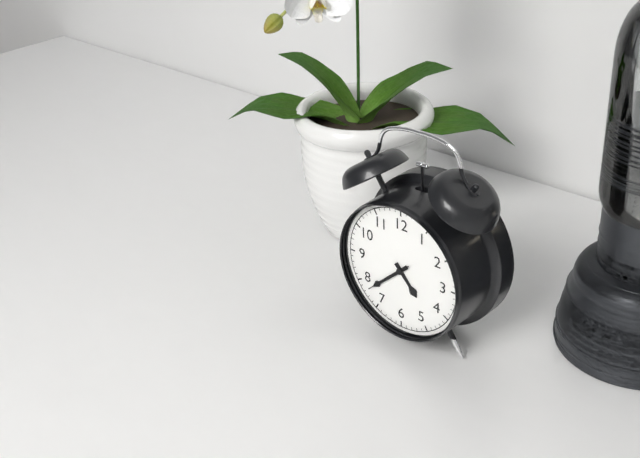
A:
**4:38**
